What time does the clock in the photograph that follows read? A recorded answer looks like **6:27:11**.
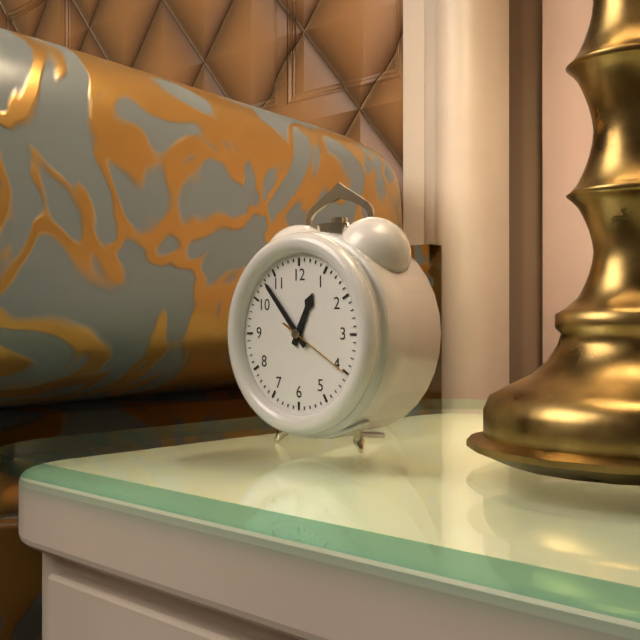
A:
**12:53:20**
